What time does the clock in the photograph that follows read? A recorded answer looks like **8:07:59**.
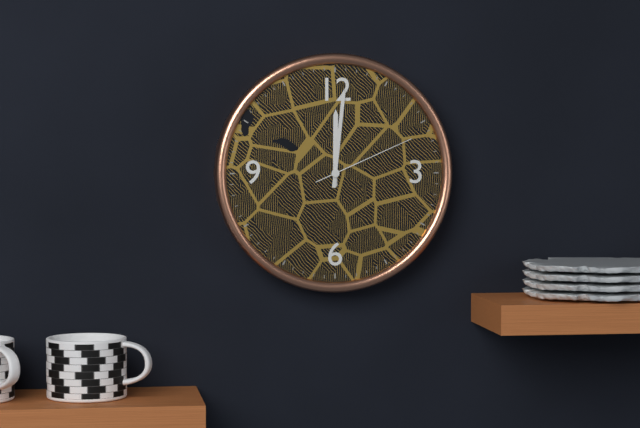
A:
**12:01:11**
